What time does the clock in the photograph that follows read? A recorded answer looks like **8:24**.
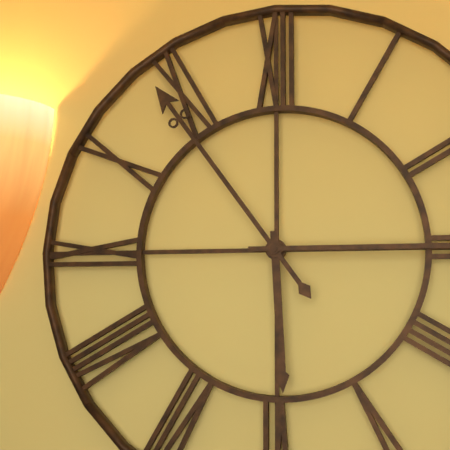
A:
**5:54**
